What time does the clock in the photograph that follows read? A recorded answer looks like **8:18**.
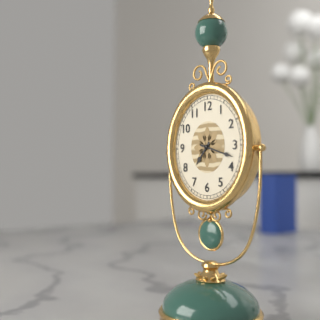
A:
**7:18**
